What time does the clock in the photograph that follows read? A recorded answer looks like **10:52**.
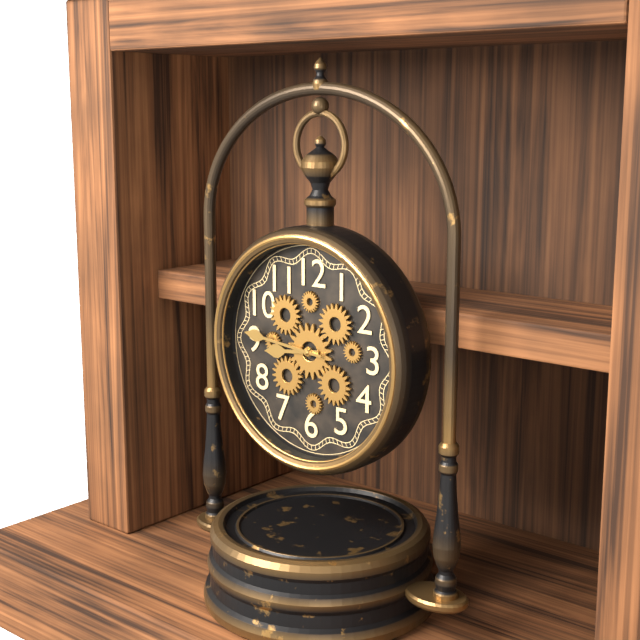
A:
**8:46**
